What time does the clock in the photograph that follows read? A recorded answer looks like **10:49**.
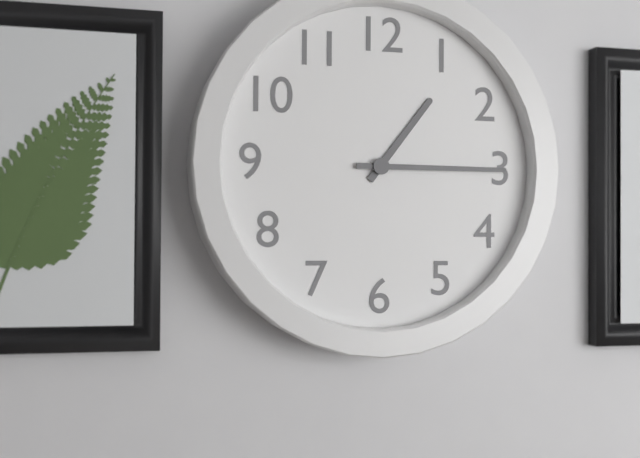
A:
**1:15**
